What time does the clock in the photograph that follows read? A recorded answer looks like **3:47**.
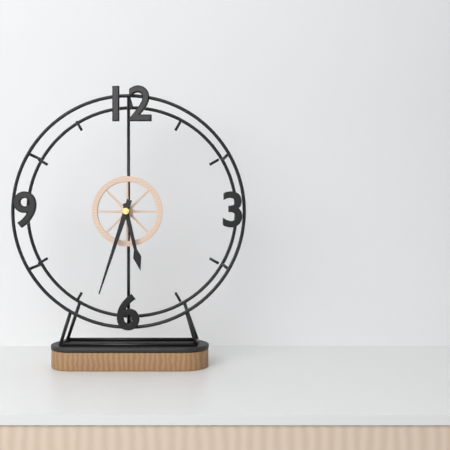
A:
**5:33**
